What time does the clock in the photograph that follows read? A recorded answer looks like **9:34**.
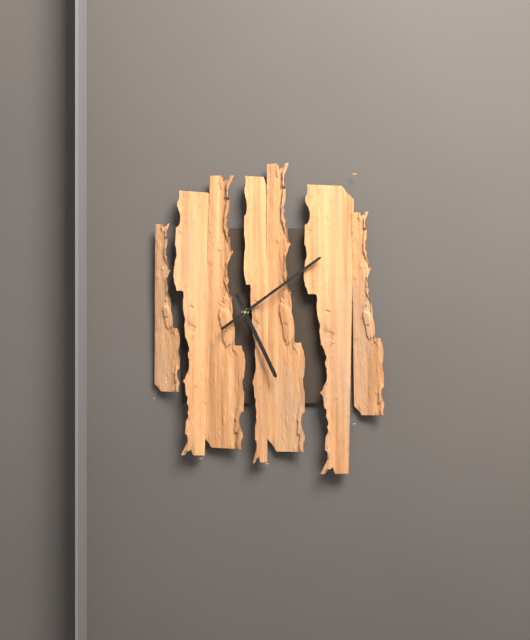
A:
**5:09**
